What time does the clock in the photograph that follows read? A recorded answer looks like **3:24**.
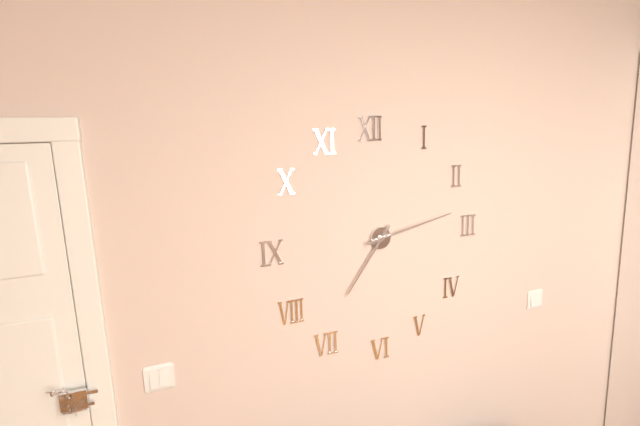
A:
**7:13**
